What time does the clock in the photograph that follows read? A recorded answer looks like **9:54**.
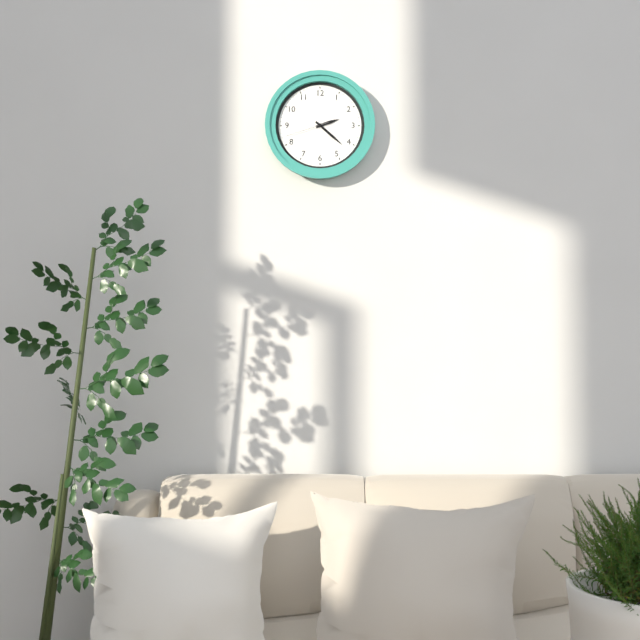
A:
**2:22**
